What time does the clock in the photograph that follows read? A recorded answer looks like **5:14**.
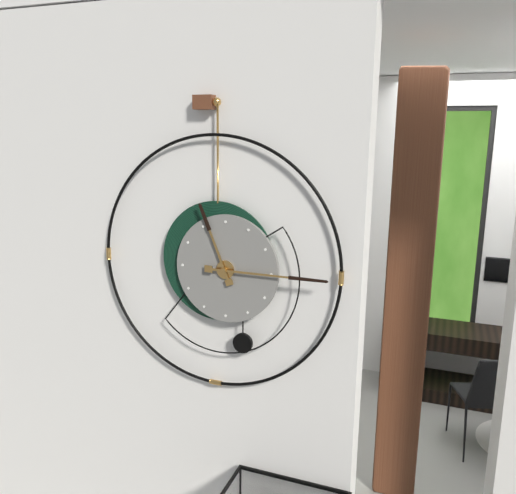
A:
**11:15**
